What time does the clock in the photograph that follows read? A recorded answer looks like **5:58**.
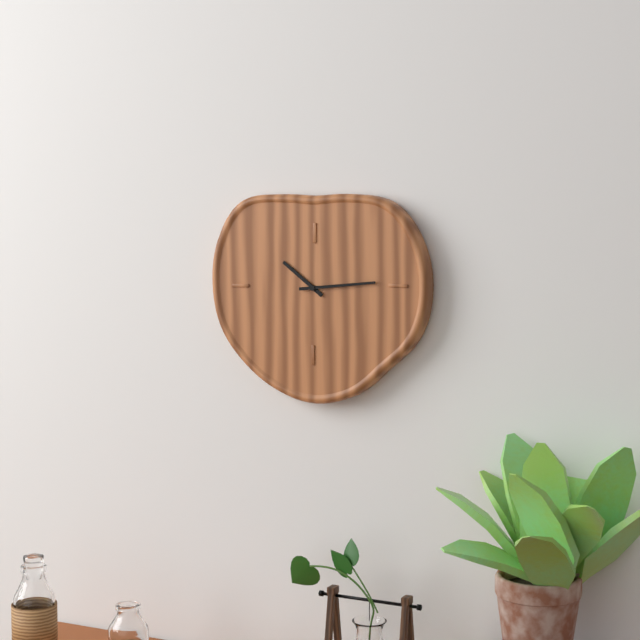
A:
**10:14**
